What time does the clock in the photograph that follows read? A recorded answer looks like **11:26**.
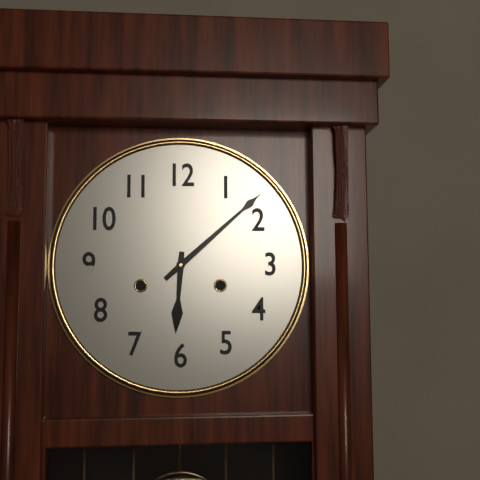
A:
**6:08**
